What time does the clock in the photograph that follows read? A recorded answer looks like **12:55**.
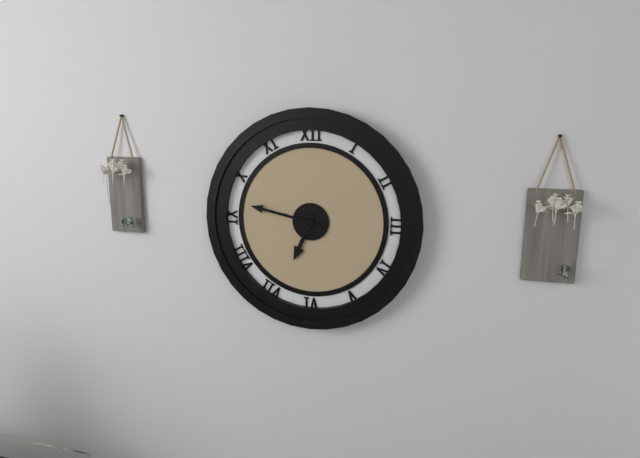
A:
**6:47**
